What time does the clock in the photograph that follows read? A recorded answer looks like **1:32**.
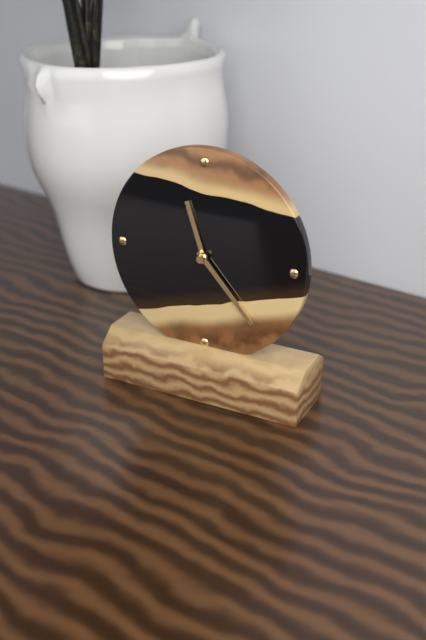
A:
**11:23**
